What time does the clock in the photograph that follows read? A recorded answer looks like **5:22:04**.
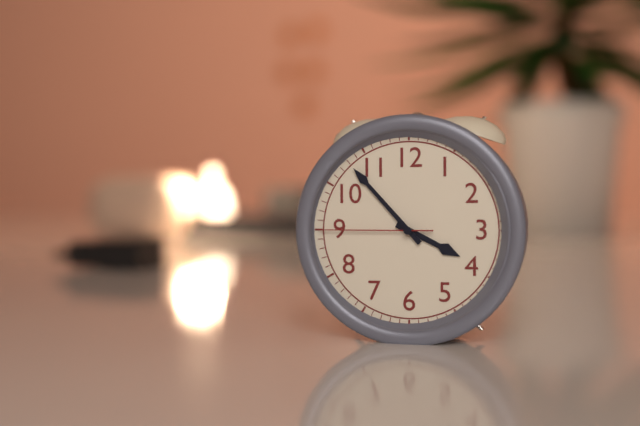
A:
**3:53:45**
